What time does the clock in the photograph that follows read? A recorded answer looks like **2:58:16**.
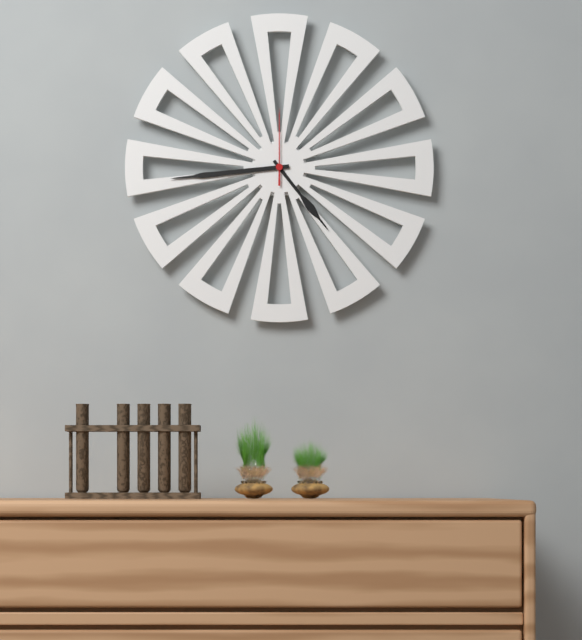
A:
**4:44:00**
